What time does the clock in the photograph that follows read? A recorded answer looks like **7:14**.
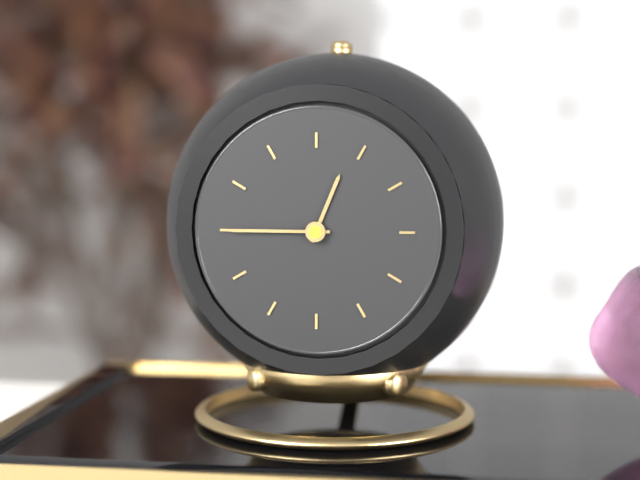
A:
**12:45**
